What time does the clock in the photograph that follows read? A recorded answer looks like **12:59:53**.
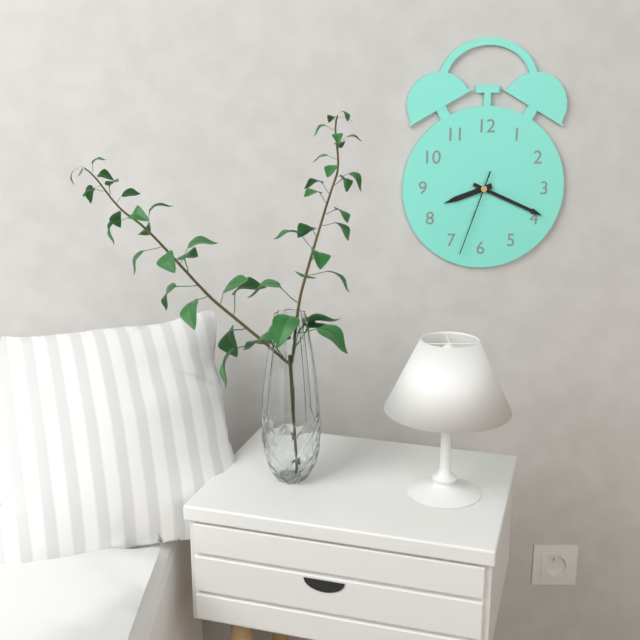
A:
**8:19:33**
